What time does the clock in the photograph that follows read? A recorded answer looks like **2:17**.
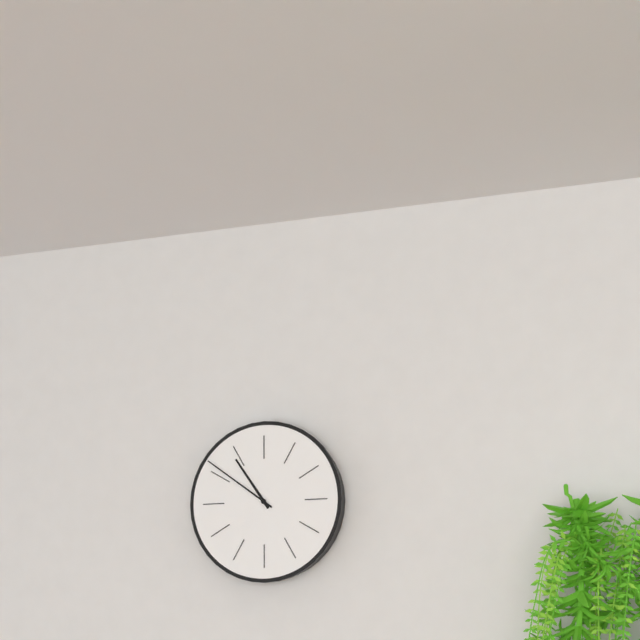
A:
**10:51**
